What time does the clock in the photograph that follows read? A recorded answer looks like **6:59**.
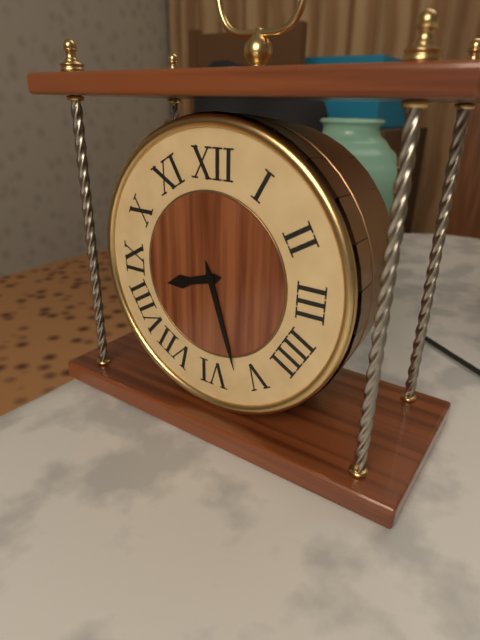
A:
**8:27**
